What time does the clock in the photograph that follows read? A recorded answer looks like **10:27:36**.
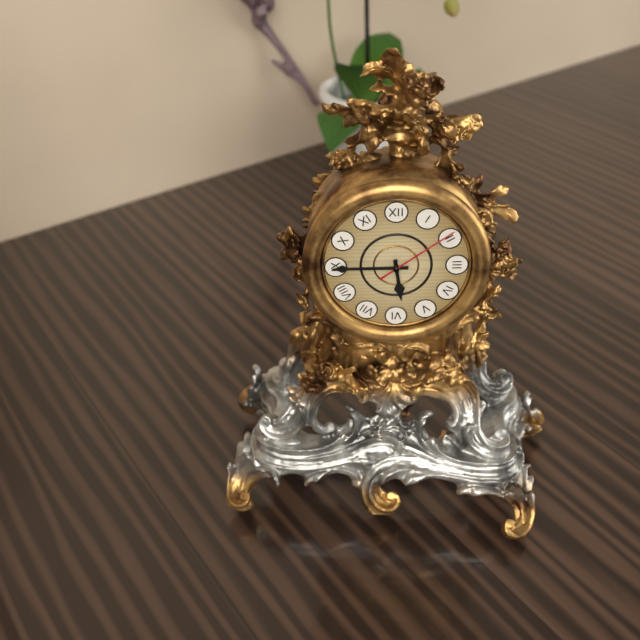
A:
**5:45:09**
